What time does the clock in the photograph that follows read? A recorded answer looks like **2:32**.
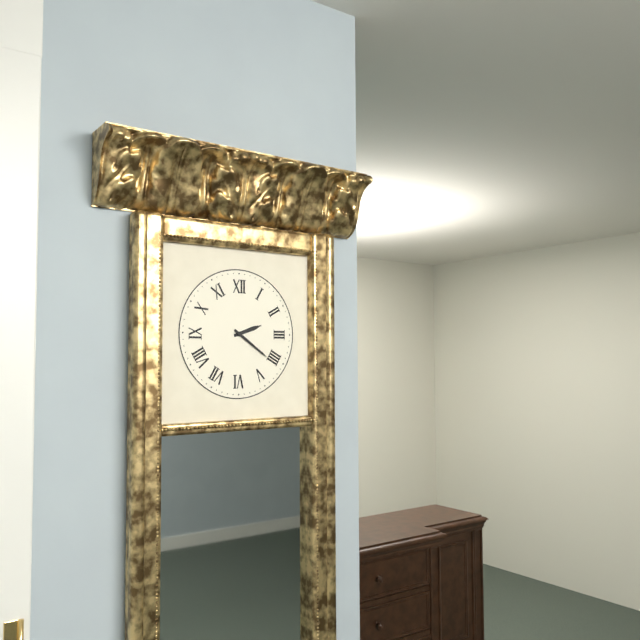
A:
**2:21**
